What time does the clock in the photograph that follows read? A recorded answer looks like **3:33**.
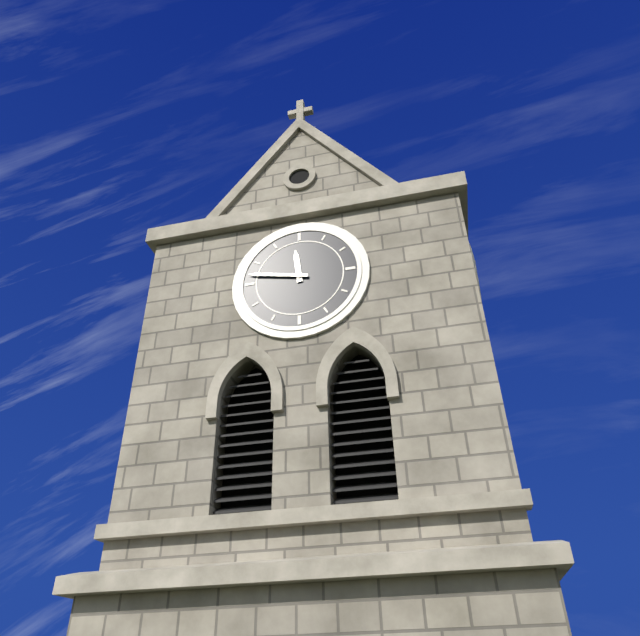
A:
**11:47**
